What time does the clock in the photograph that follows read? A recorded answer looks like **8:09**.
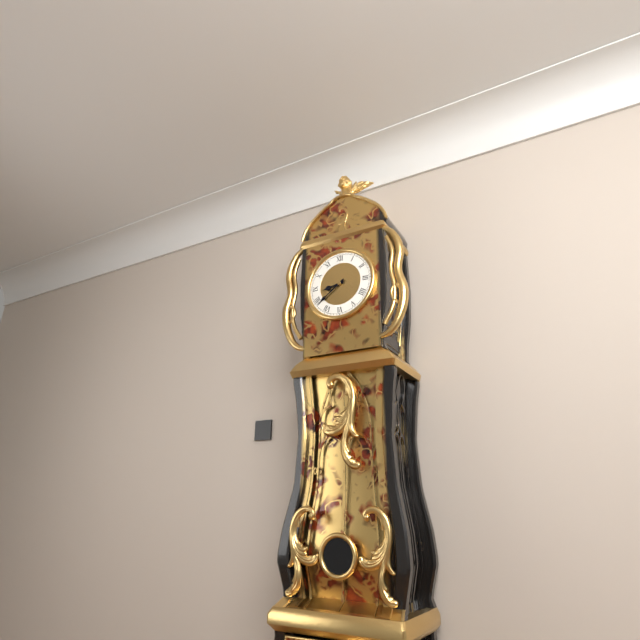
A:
**8:39**
